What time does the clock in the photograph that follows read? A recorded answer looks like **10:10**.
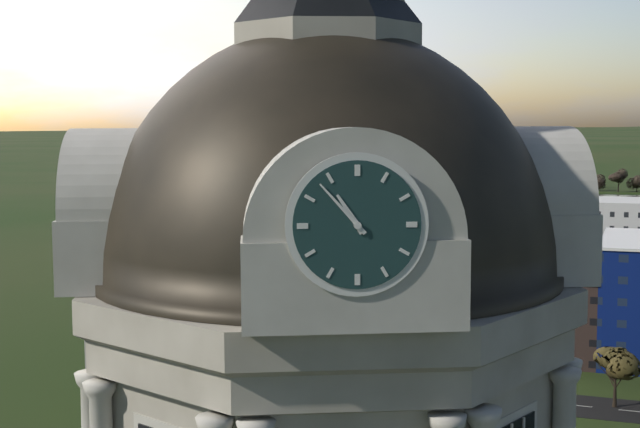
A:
**10:53**
